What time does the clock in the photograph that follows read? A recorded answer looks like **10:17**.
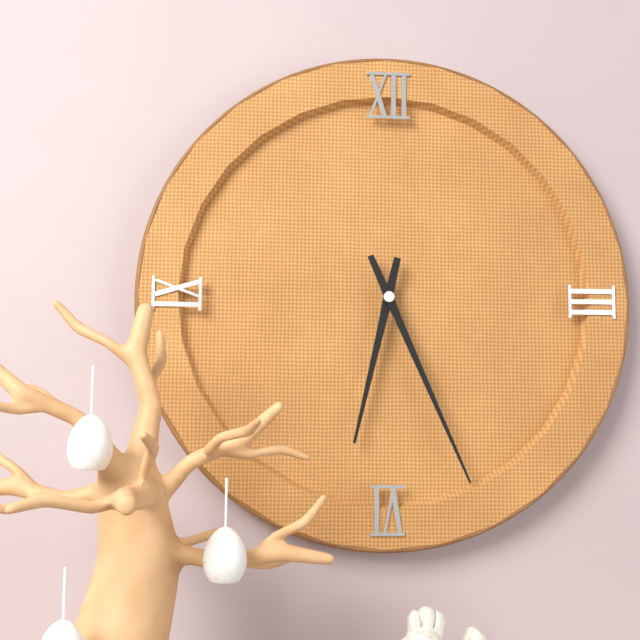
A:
**6:26**
